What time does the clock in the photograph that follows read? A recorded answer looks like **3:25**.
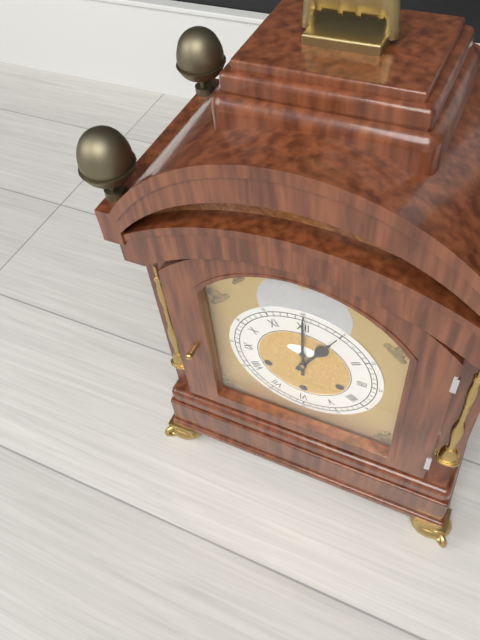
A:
**1:00**
